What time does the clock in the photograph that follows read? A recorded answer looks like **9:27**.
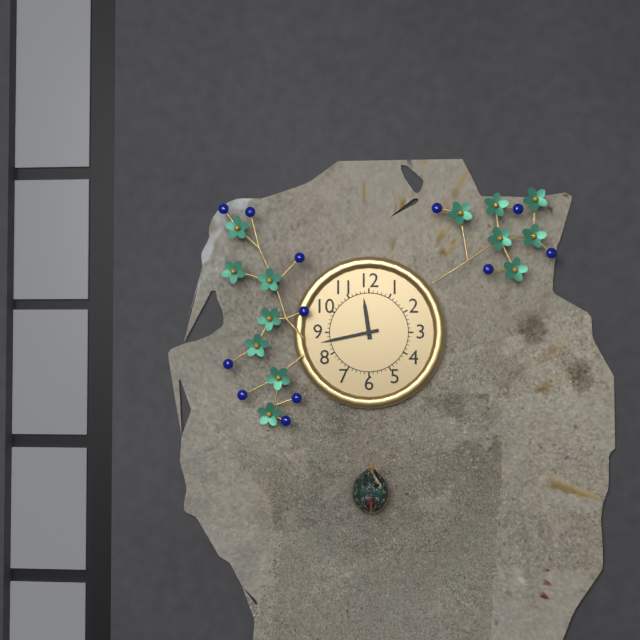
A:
**11:43**
